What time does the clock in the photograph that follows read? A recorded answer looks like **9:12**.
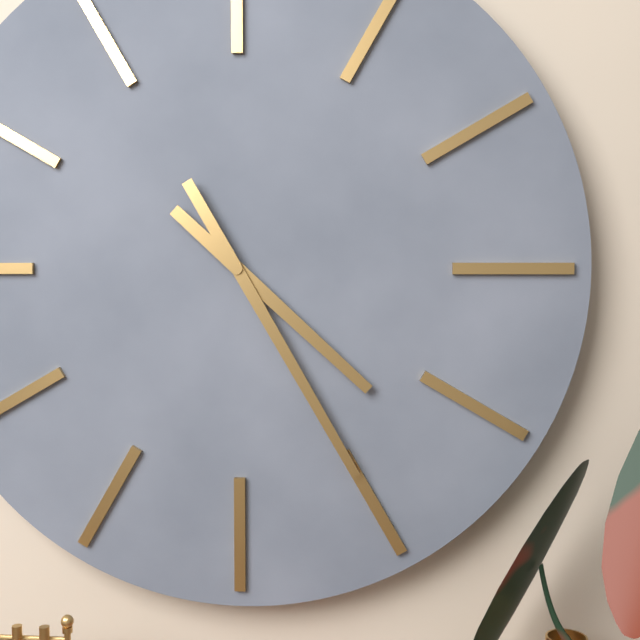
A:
**4:25**
